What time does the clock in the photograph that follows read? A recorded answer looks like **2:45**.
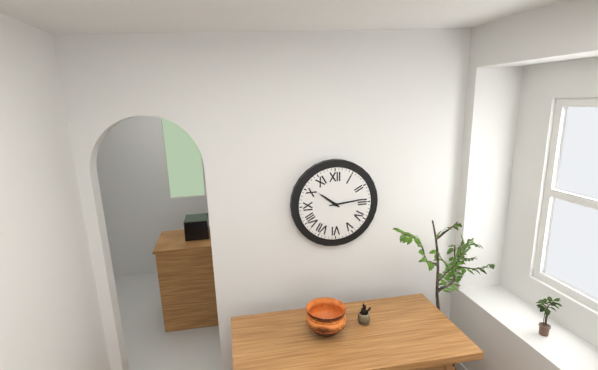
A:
**10:14**
